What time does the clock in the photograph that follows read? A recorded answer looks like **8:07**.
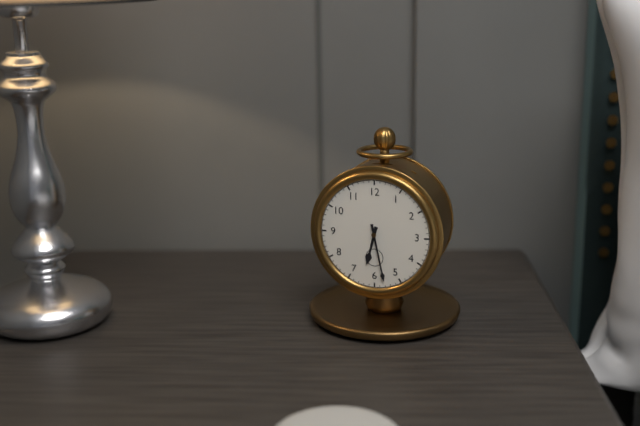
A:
**6:28**
